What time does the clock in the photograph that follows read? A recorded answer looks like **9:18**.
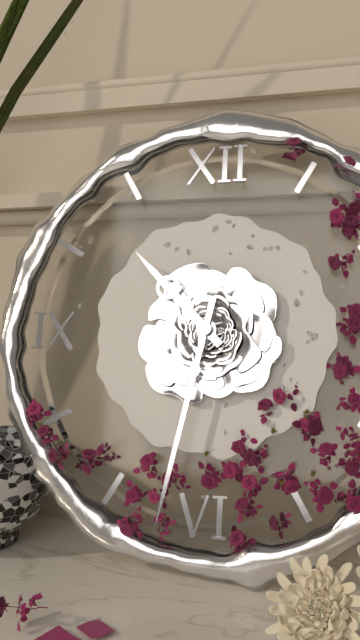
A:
**10:32**
